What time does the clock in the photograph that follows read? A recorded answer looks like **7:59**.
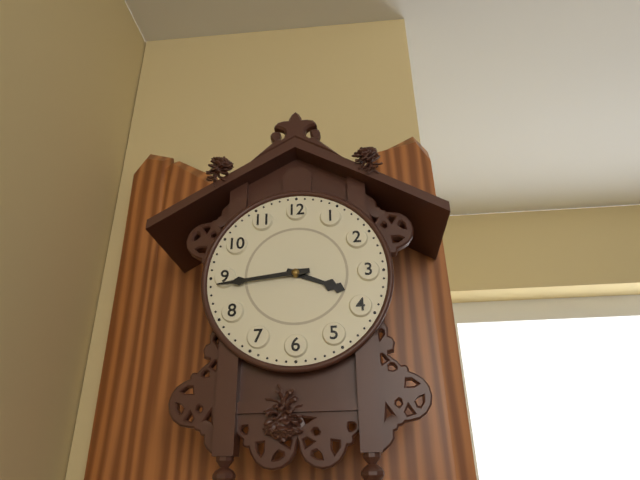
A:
**3:44**
